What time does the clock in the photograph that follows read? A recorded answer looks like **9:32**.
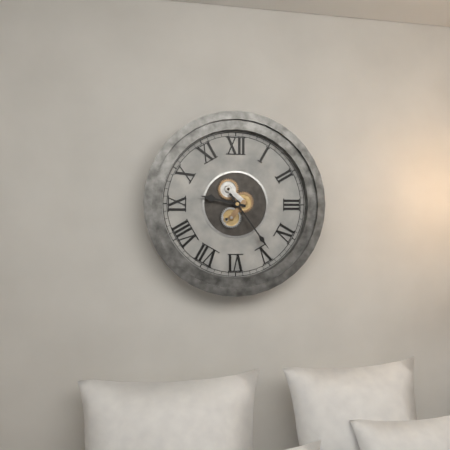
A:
**9:24**
